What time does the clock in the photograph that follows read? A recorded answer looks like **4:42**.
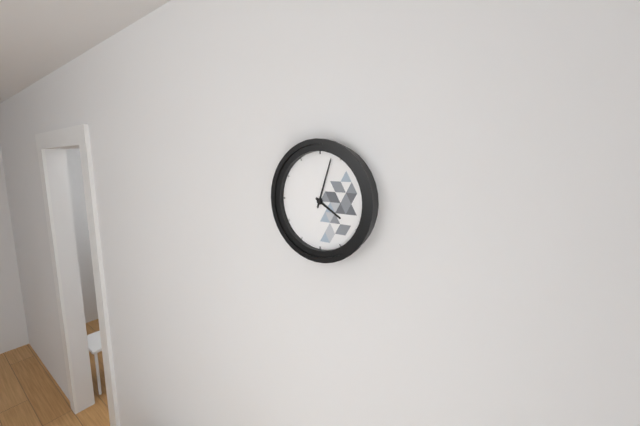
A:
**4:03**
